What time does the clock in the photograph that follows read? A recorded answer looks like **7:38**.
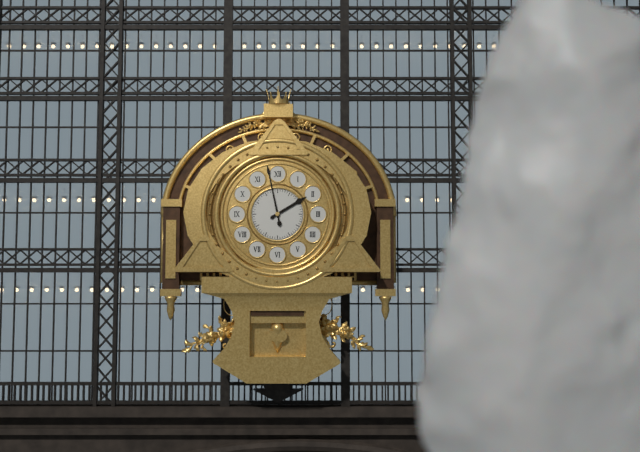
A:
**1:58**
